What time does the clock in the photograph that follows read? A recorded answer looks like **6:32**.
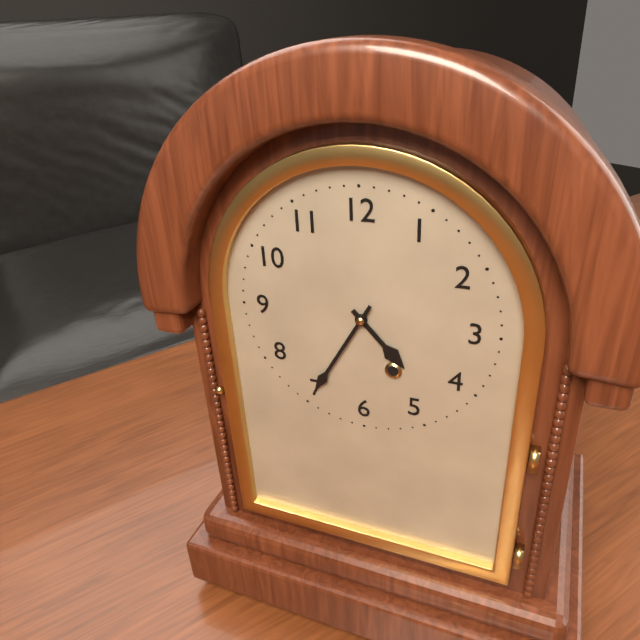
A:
**4:35**
